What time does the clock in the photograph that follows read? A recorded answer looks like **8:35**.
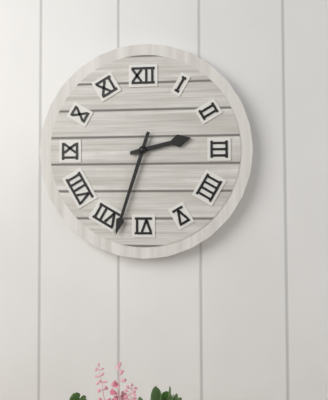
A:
**2:33**
